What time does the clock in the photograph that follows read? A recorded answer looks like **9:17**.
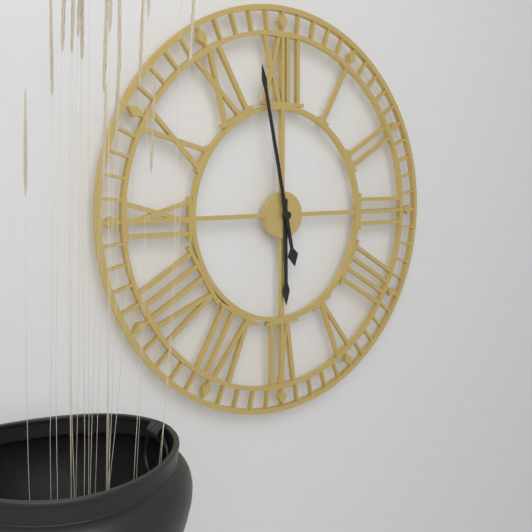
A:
**5:58**
